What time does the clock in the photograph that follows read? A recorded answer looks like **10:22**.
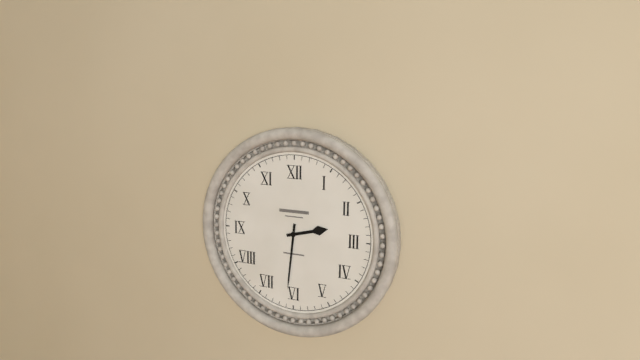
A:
**2:31**
